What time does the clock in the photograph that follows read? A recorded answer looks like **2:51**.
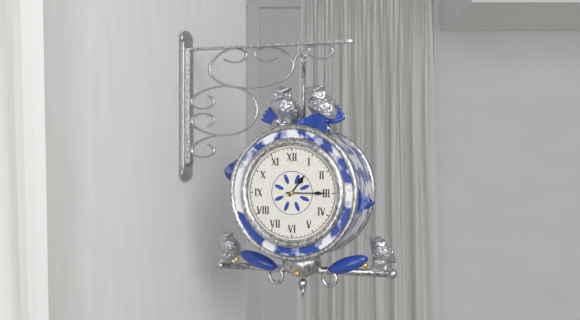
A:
**1:15**
